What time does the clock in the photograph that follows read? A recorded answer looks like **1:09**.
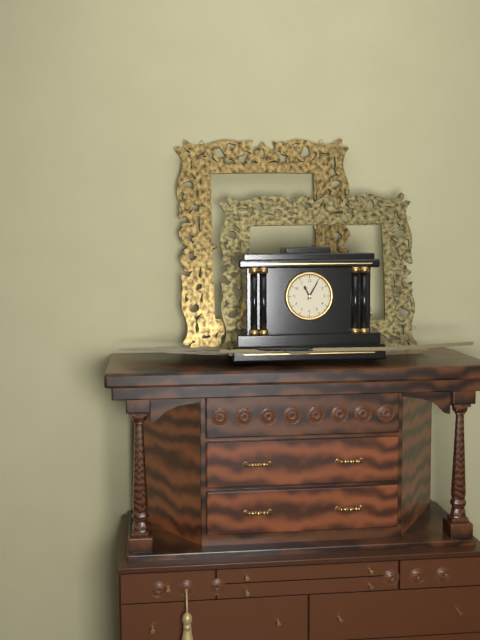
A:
**11:05**
